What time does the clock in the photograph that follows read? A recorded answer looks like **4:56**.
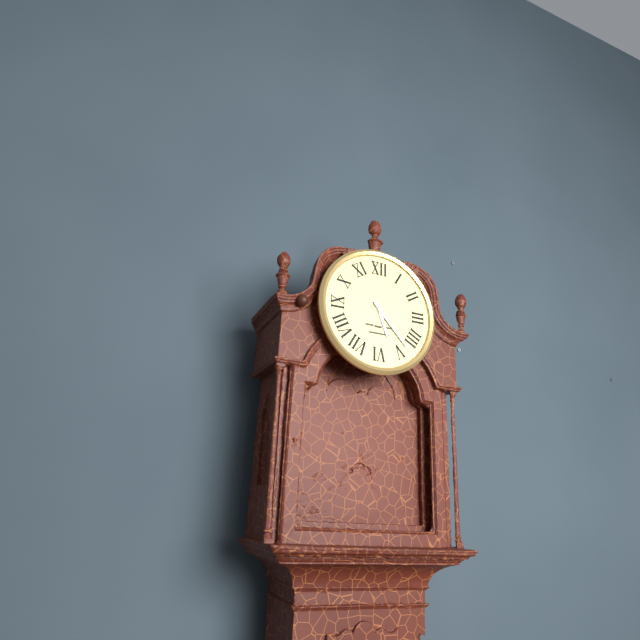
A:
**5:23**
